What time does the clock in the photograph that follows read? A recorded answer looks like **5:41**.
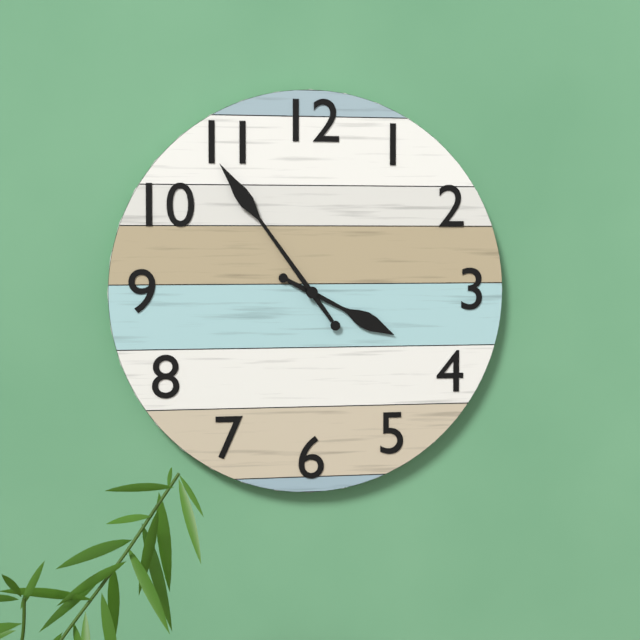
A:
**3:54**
